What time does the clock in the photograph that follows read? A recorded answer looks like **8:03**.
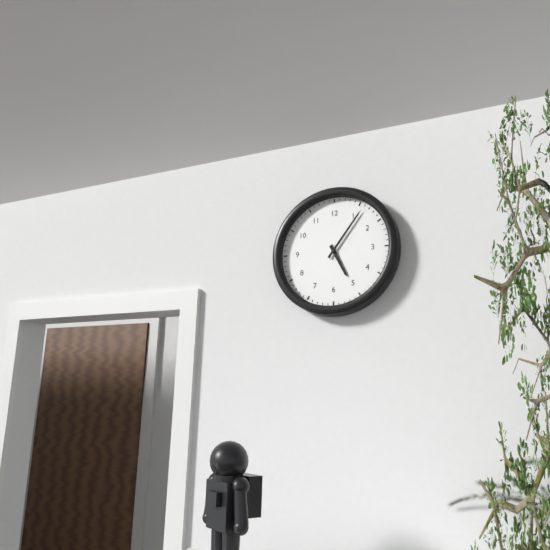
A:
**5:06**
